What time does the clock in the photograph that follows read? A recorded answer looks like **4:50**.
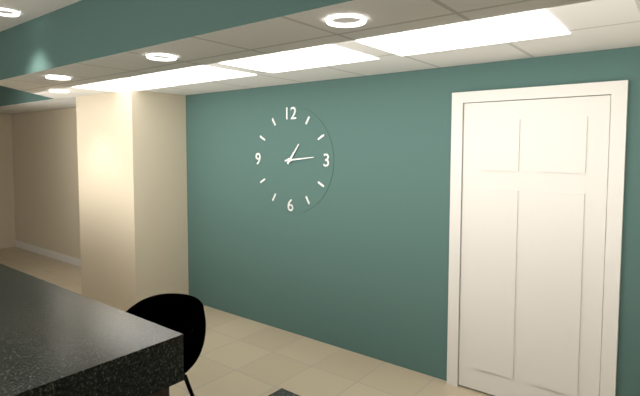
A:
**1:14**
